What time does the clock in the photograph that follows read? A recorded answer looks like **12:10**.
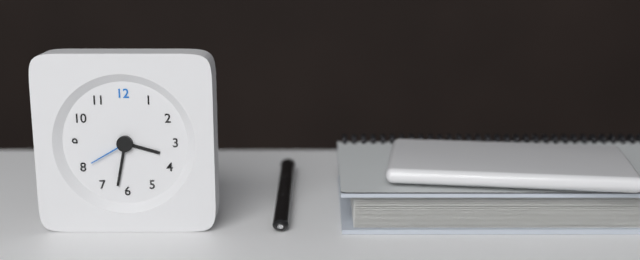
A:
**3:32**
